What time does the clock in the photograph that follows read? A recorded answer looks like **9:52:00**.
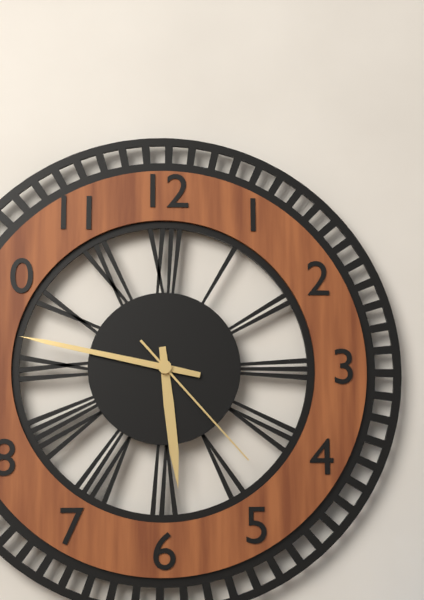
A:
**5:47:23**
